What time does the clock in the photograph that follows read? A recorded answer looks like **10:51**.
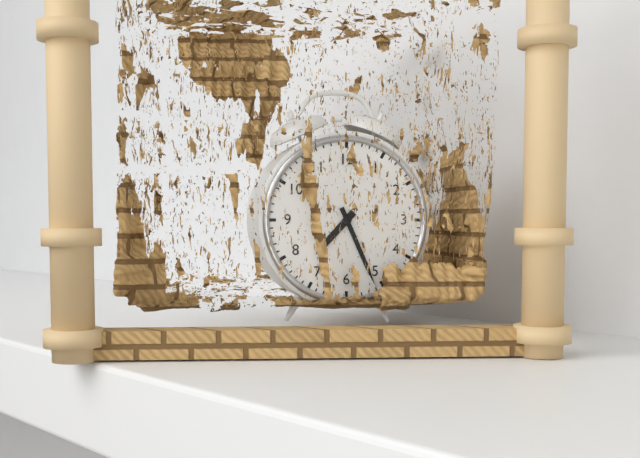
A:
**7:26**
